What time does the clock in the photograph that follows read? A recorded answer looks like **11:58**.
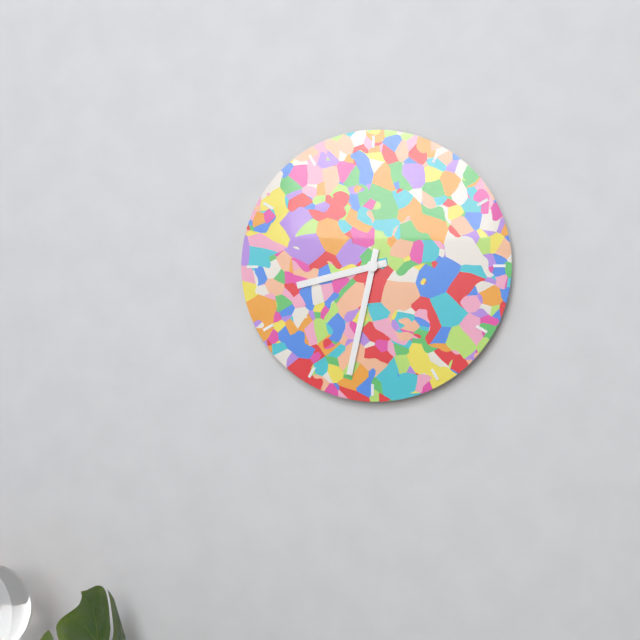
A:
**8:32**
